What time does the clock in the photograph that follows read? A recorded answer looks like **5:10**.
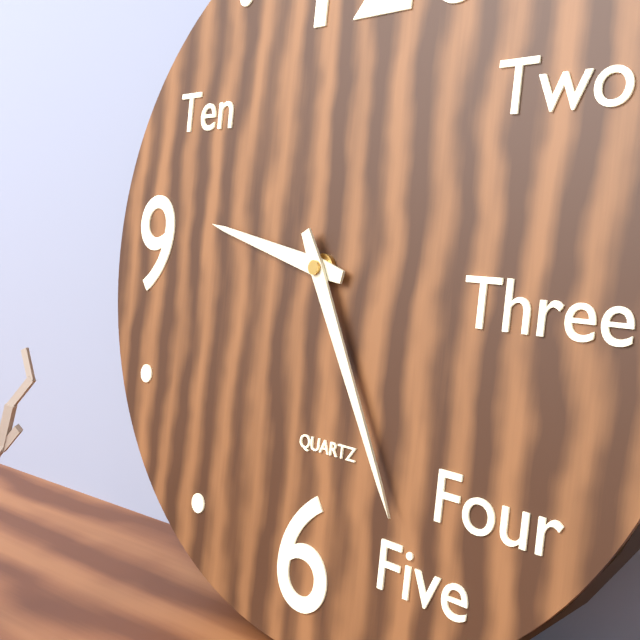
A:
**9:25**
